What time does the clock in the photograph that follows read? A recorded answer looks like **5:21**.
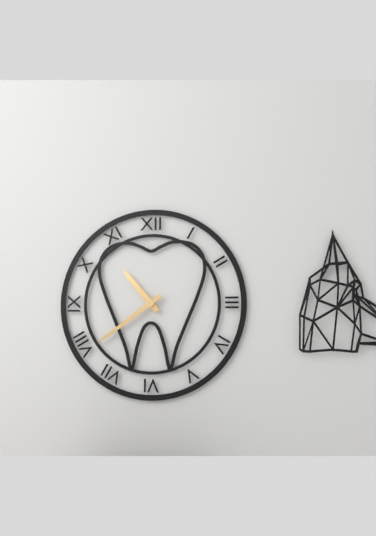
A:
**10:39**
